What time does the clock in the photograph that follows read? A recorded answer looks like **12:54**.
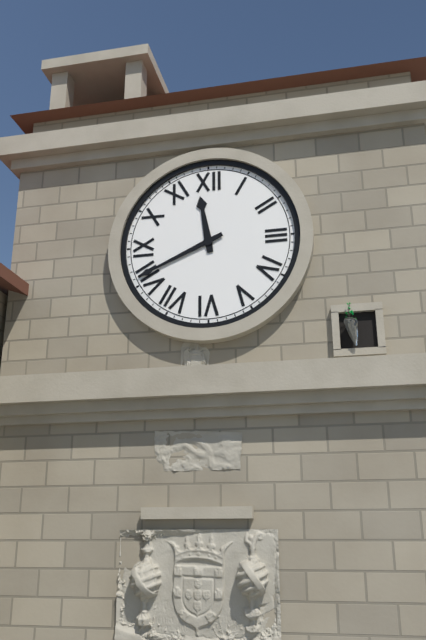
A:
**11:41**
